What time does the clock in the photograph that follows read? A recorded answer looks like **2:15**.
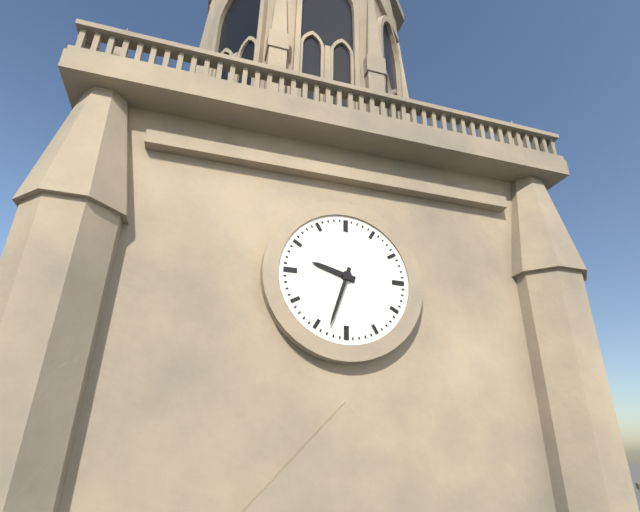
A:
**9:33**
